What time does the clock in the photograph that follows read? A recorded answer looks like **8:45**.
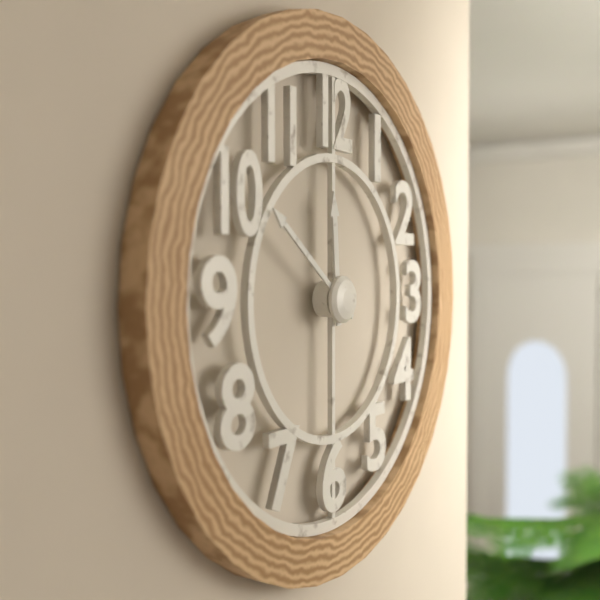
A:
**11:51**
